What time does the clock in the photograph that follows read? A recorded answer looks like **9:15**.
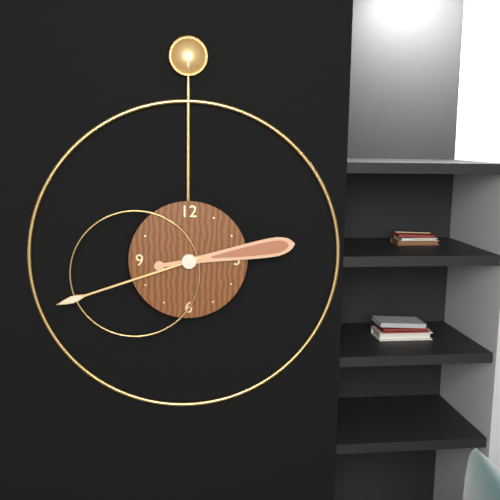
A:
**2:42**
